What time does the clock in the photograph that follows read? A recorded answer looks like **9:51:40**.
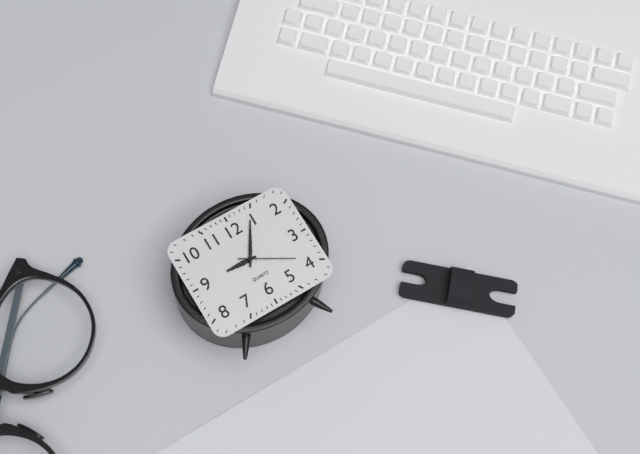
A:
**9:05:20**
